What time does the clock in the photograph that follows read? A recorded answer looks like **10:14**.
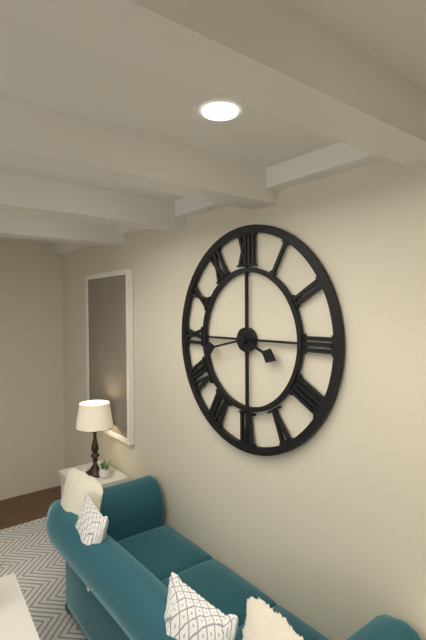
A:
**3:43**
